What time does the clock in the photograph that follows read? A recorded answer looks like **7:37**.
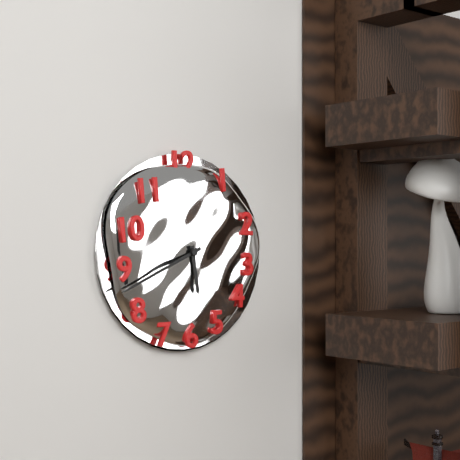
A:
**5:41**
